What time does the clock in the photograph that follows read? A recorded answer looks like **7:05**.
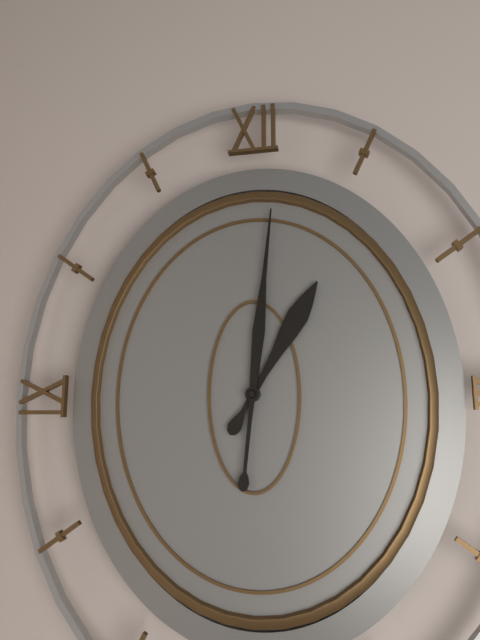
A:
**1:01**
